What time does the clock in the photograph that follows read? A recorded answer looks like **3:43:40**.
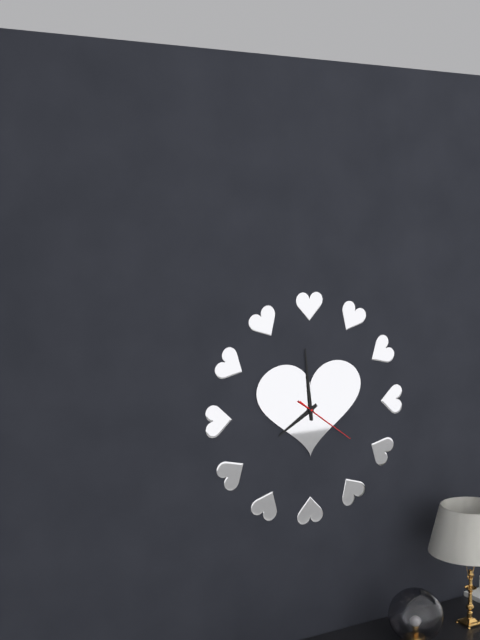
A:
**7:59:21**
